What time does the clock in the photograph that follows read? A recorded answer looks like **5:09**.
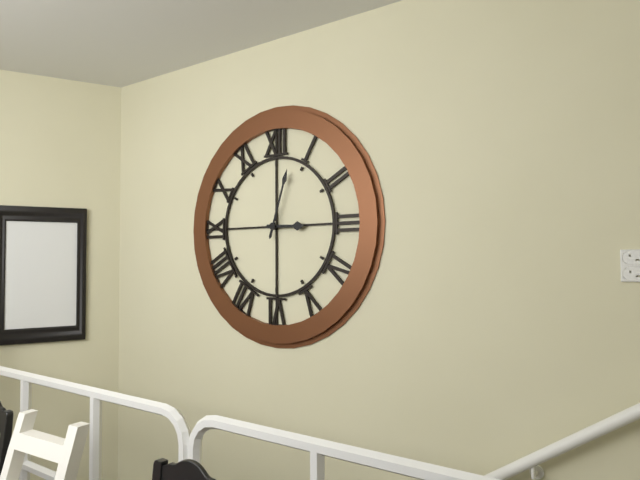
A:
**3:03**
